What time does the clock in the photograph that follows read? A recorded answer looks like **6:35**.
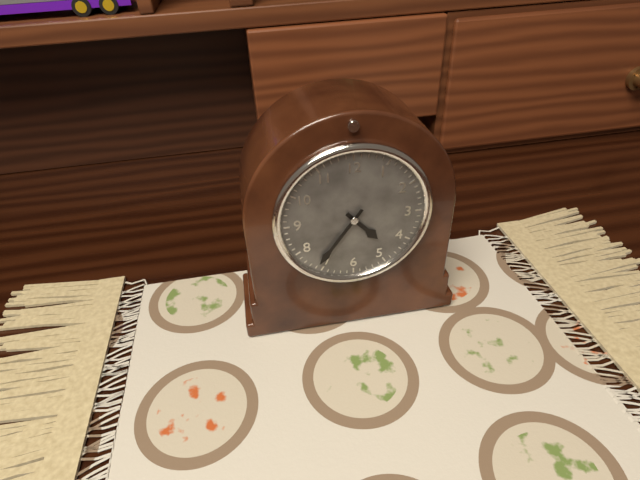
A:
**4:36**
